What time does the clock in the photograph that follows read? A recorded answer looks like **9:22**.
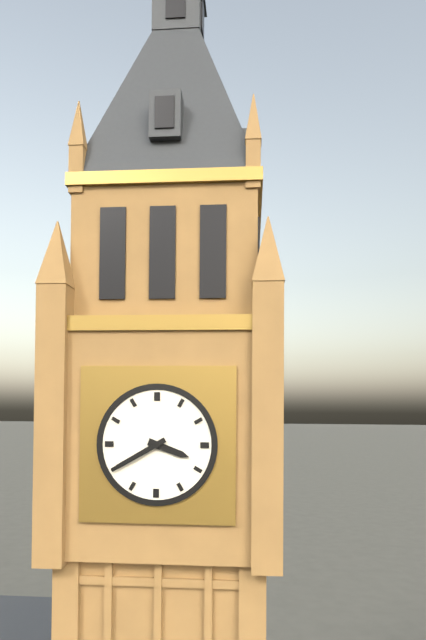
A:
**3:40**
